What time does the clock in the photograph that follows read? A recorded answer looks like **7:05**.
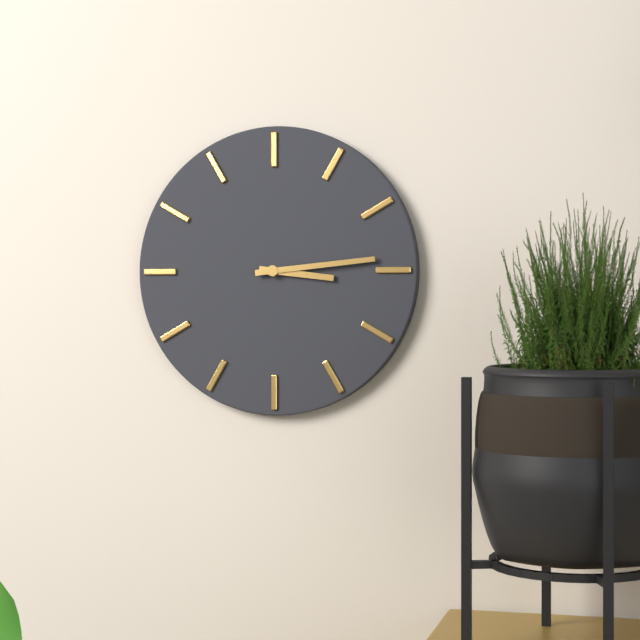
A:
**3:14**
